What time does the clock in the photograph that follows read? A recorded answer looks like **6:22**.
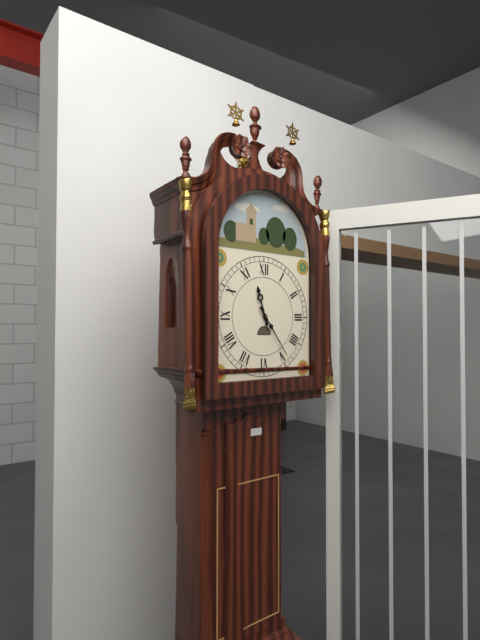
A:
**11:24**
